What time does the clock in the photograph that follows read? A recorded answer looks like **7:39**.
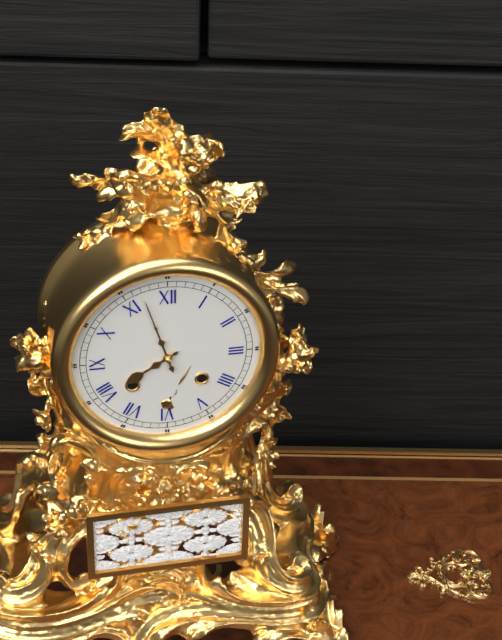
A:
**7:57**
